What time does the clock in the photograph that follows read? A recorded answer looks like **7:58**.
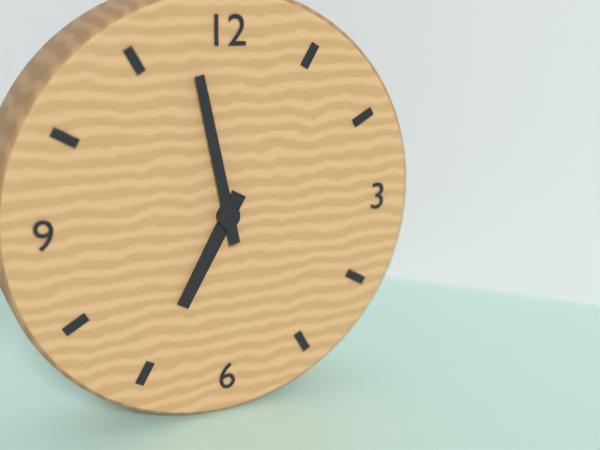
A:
**6:58**
